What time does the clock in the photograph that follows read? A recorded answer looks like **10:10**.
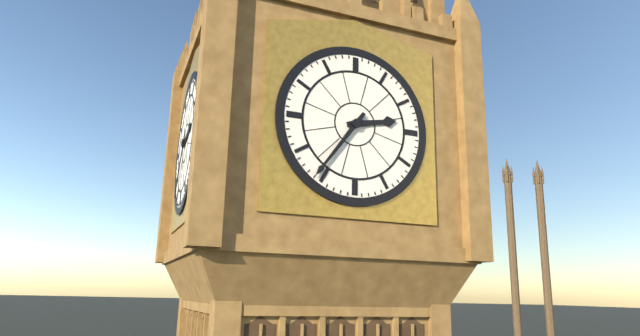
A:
**2:36**
